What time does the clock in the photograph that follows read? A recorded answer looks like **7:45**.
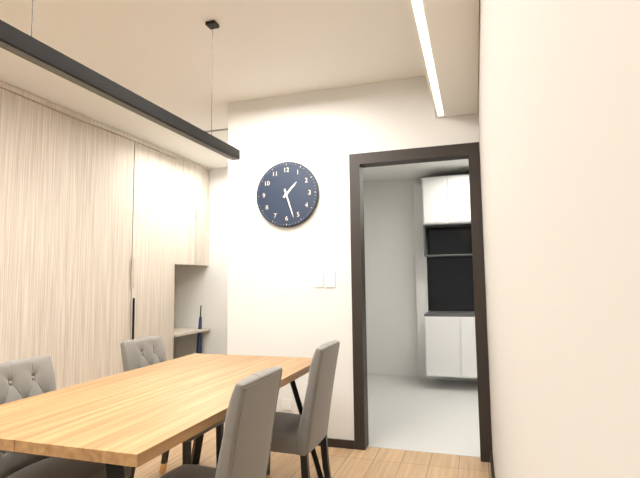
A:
**1:27**
